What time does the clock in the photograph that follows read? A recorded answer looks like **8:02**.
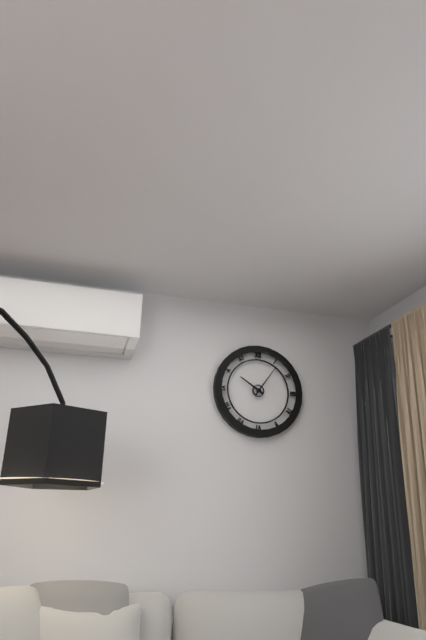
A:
**10:06**
